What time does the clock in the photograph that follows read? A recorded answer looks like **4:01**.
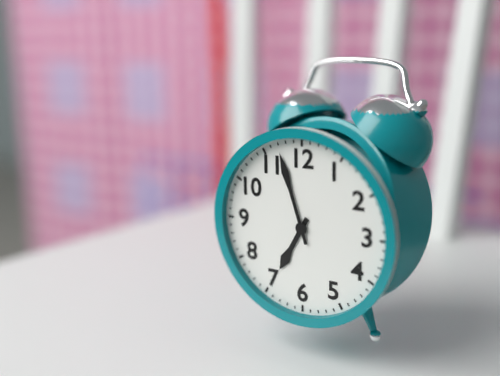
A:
**6:57**
